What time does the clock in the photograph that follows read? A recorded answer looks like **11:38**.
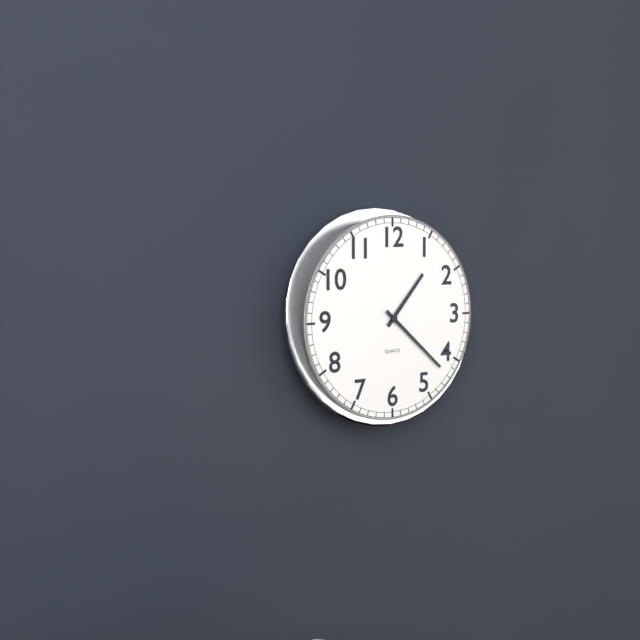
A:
**1:22**
